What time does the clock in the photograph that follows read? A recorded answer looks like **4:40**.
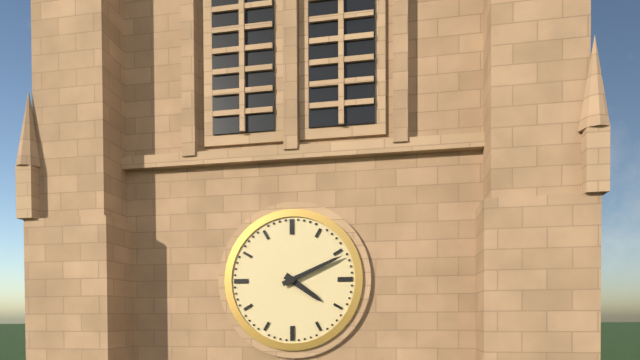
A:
**4:11**
